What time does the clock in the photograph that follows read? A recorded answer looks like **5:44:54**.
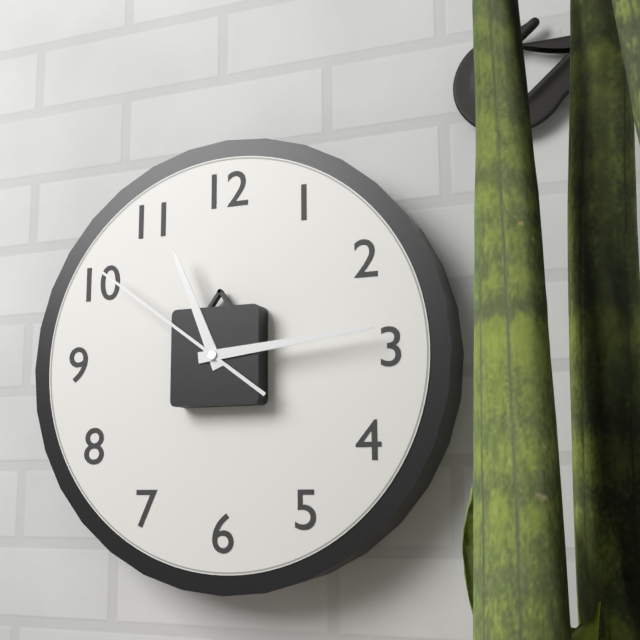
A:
**11:14:51**
